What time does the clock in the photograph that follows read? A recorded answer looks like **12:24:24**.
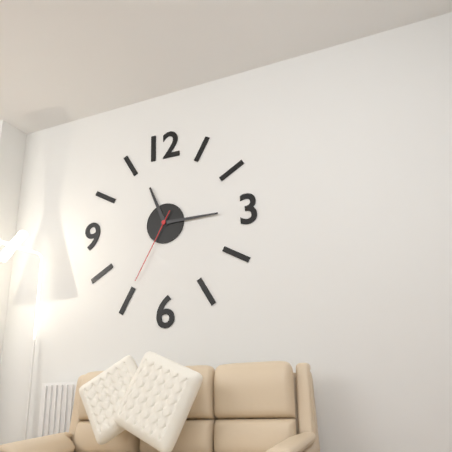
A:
**11:15:35**
